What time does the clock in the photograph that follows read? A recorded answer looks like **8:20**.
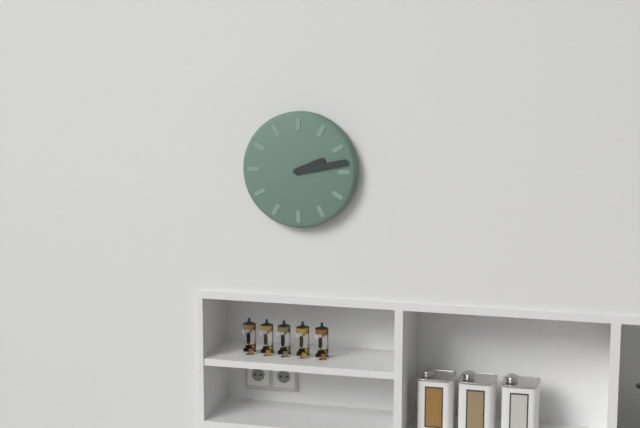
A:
**2:13**
